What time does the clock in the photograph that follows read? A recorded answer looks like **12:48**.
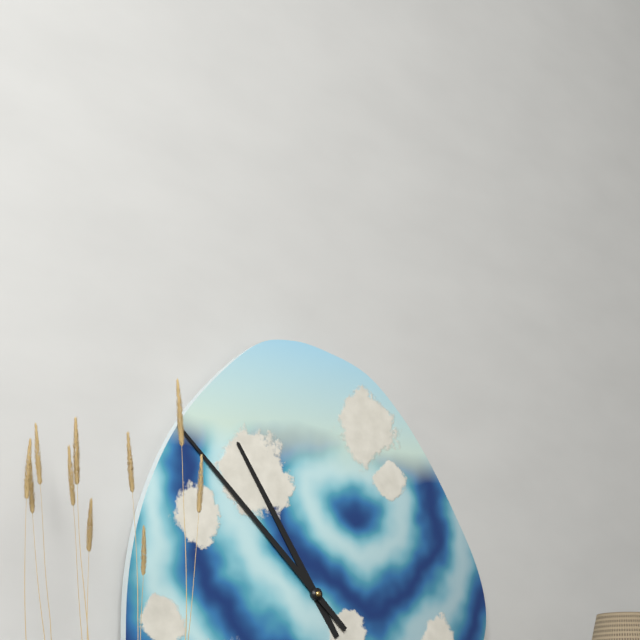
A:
**10:52**
